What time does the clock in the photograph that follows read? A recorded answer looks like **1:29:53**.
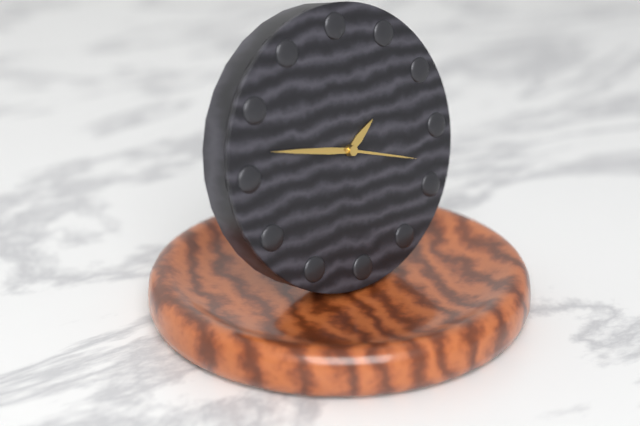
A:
**1:47:18**
